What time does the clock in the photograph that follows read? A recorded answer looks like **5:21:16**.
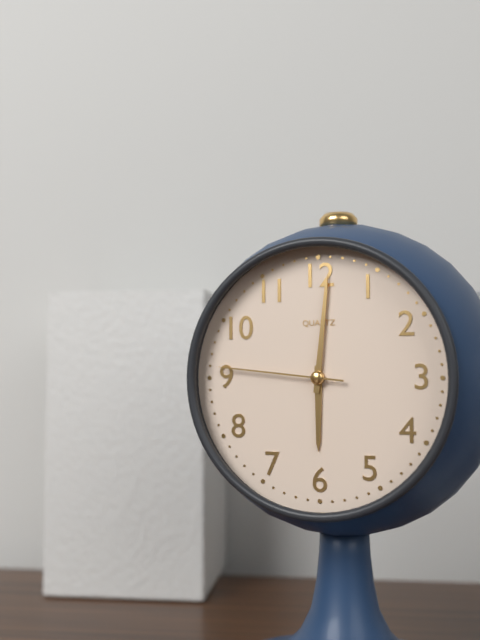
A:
**6:01:46**
